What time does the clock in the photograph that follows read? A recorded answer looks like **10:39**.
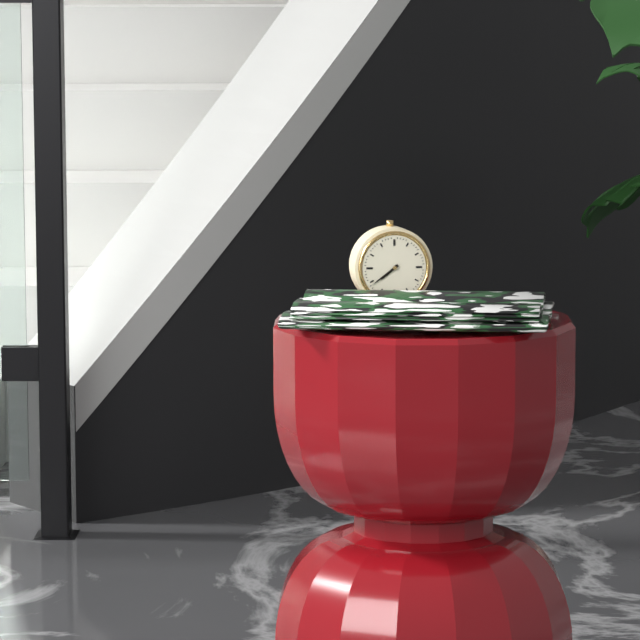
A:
**7:39**
